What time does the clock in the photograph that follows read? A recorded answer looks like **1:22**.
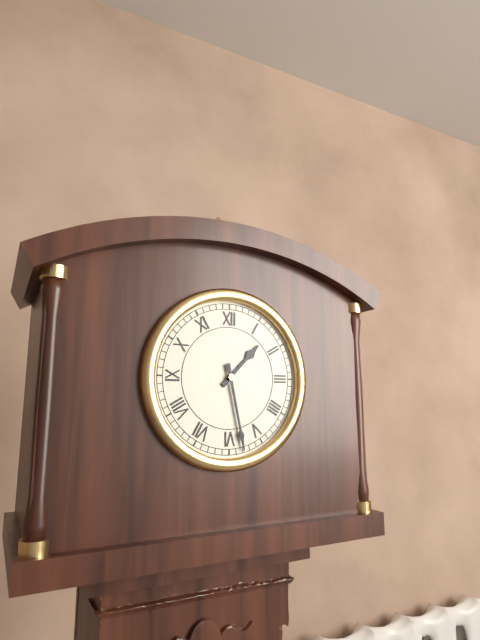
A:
**1:28**
